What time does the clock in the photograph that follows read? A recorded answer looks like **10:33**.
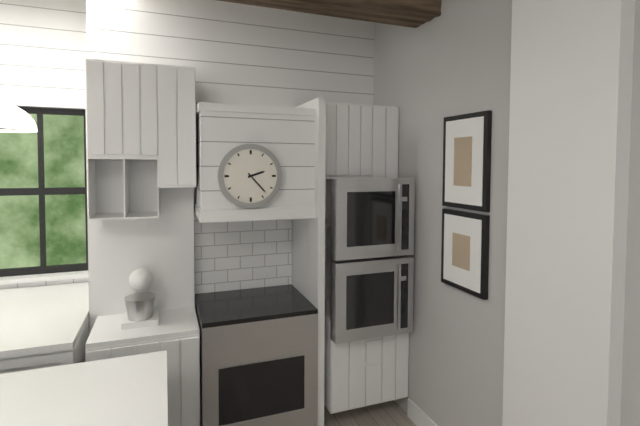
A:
**2:23**
